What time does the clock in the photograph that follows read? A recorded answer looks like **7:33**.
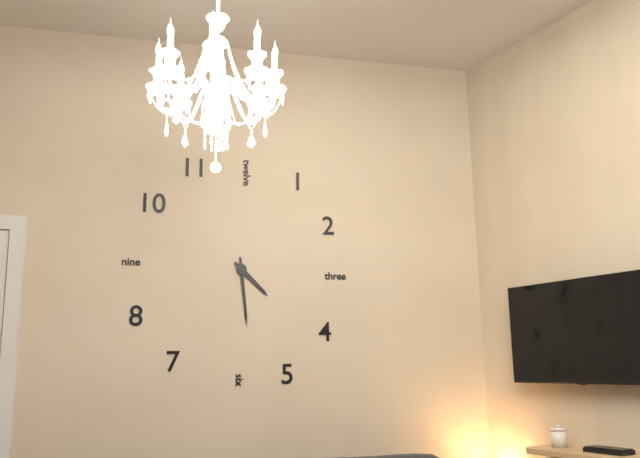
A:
**4:29**
